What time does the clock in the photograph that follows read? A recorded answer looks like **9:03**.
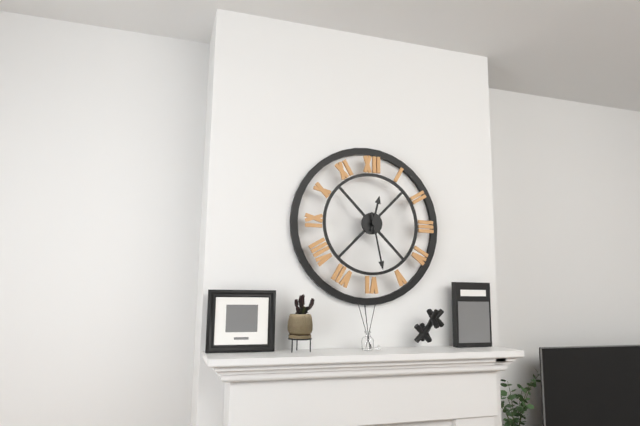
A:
**12:28**
